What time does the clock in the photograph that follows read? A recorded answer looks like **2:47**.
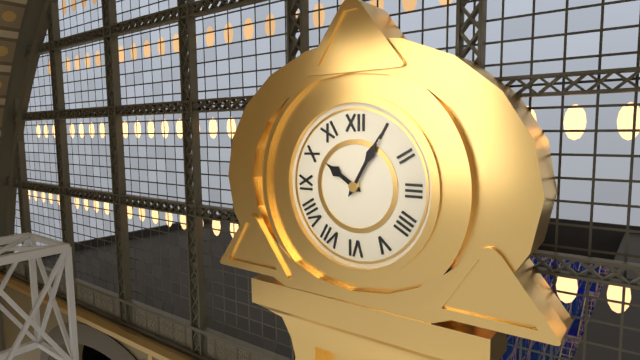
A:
**10:05**
